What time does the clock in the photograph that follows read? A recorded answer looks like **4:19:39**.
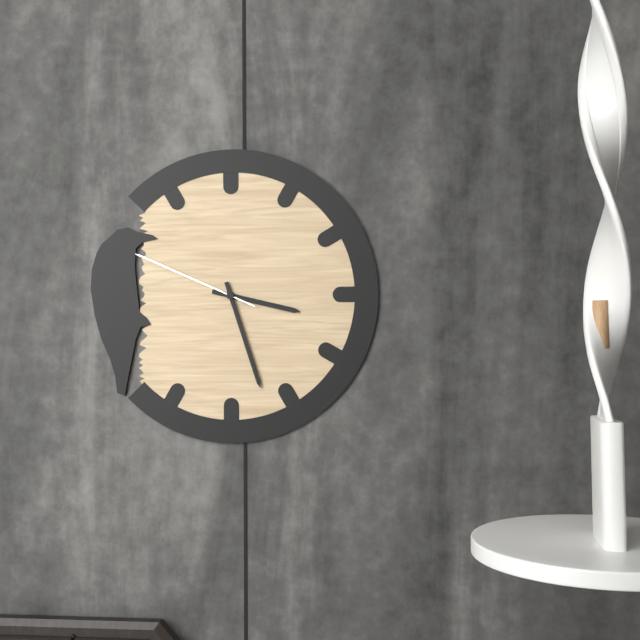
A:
**3:27:49**
